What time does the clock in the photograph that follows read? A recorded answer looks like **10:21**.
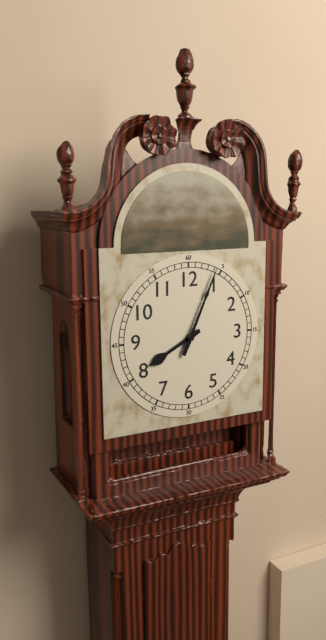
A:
**8:04**
